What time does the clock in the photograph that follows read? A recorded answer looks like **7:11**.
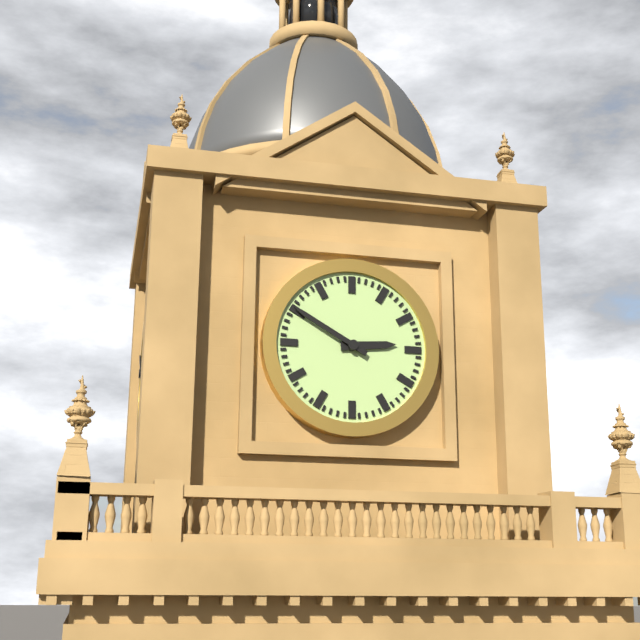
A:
**2:50**
